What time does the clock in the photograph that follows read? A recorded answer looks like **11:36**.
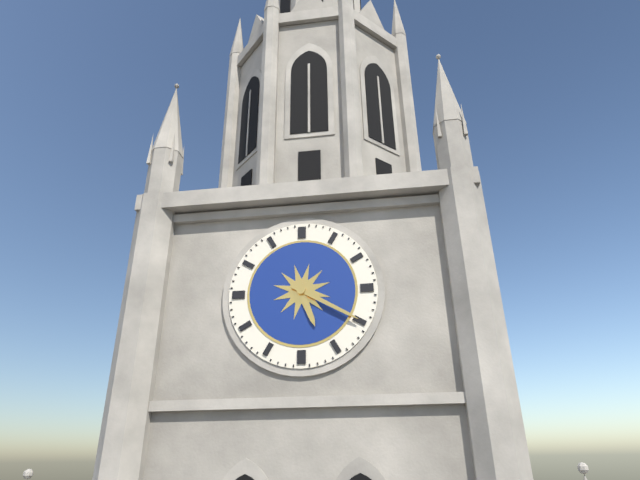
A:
**5:20**
